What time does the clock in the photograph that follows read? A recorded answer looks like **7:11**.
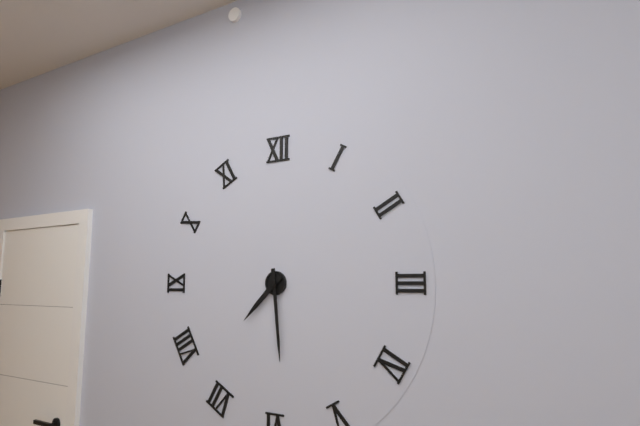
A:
**7:29**
